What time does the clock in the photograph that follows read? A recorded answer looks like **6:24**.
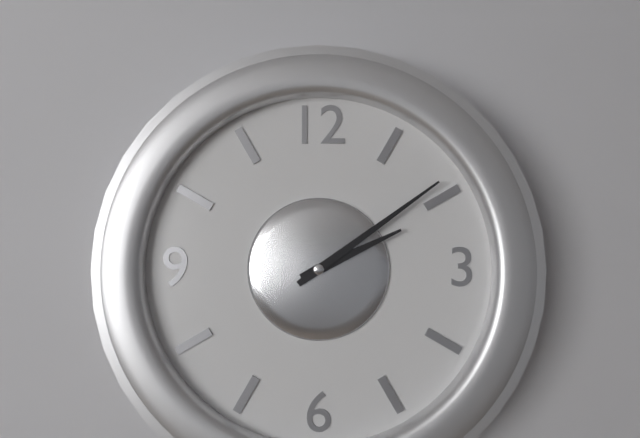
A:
**2:09**
